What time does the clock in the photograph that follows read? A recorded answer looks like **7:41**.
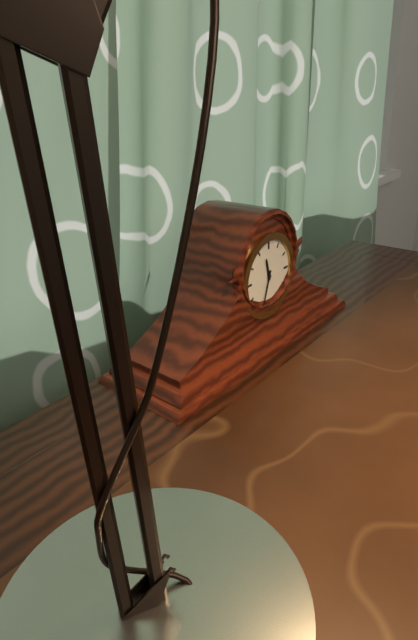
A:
**11:33**
